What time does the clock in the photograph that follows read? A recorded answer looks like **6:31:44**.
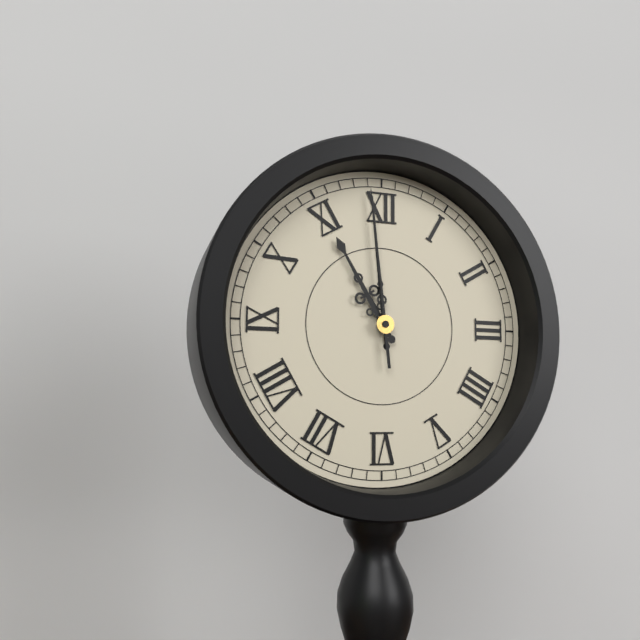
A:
**10:59:59**
